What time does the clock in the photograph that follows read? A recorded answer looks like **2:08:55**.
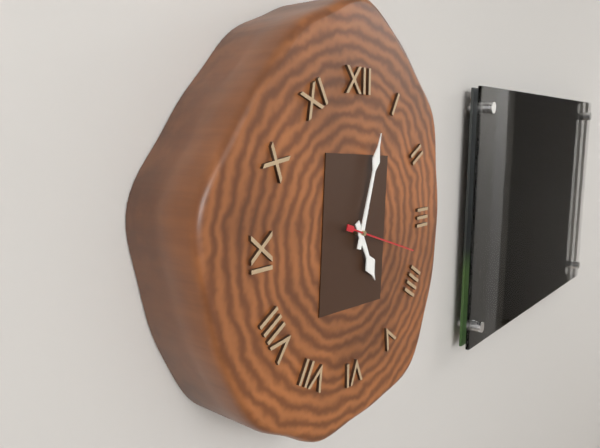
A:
**5:03:18**
